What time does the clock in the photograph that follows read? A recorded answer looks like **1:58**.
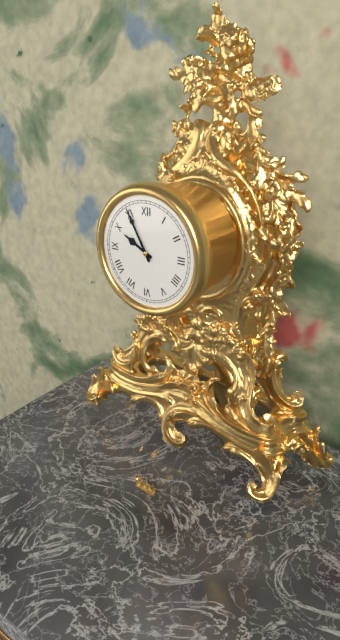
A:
**9:55**
